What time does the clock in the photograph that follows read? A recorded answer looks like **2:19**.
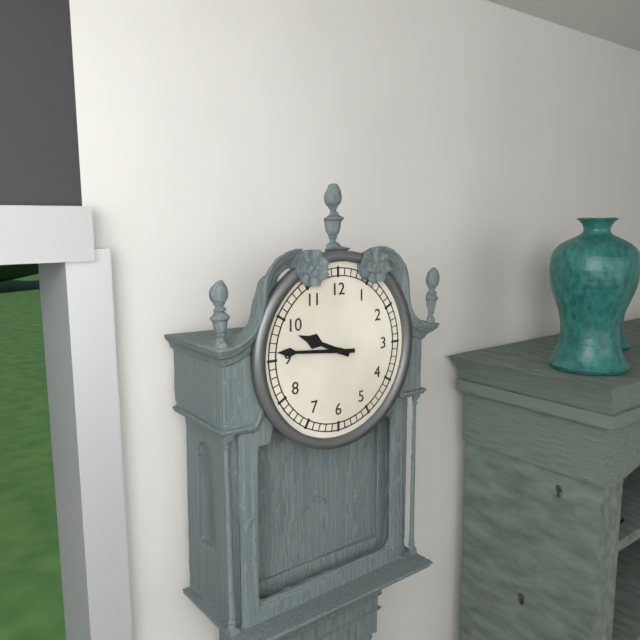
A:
**9:46**
